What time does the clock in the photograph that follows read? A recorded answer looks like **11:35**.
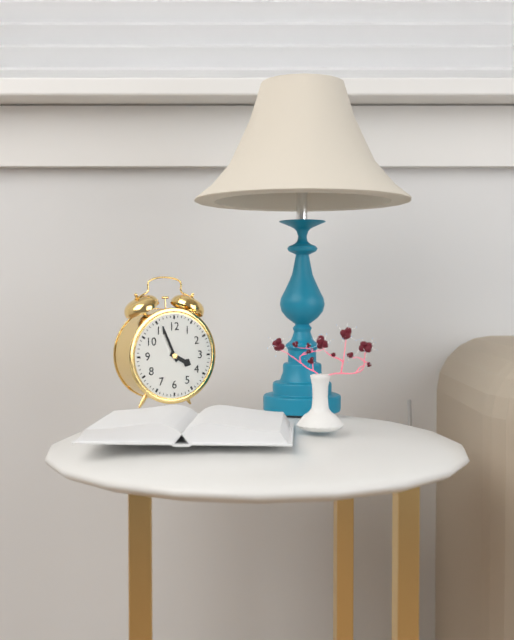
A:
**3:56**
